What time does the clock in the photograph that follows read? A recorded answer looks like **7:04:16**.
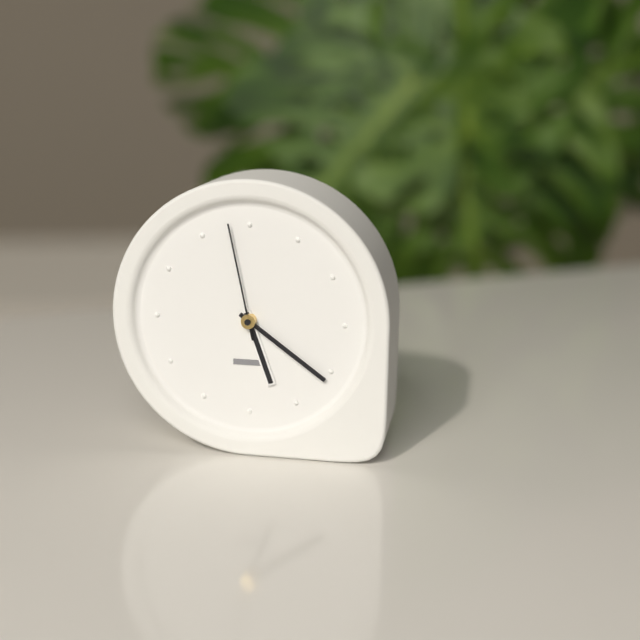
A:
**5:21:58**
